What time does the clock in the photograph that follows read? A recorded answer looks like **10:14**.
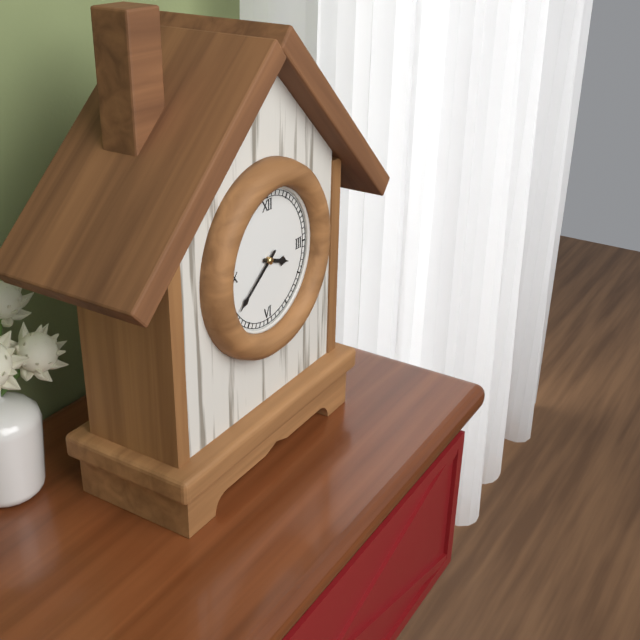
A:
**3:39**
